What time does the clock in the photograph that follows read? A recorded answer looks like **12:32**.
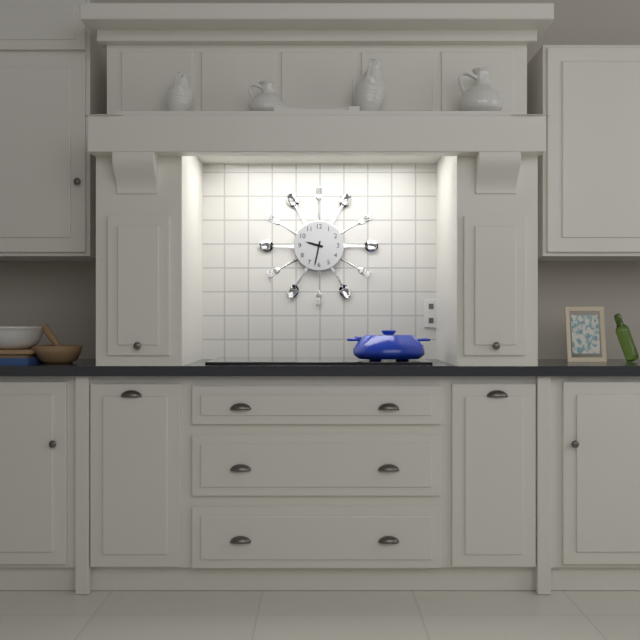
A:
**9:32**
